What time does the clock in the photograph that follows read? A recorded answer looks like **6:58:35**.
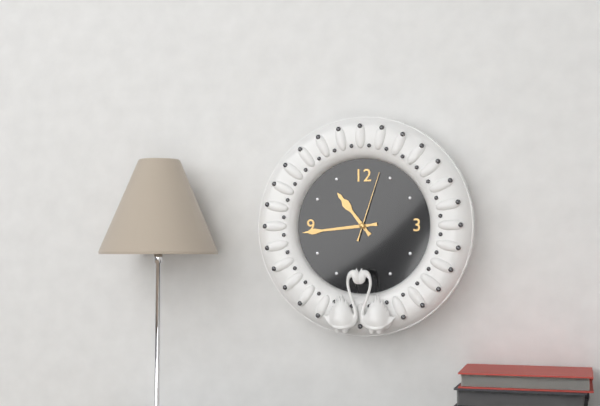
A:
**10:44:03**
